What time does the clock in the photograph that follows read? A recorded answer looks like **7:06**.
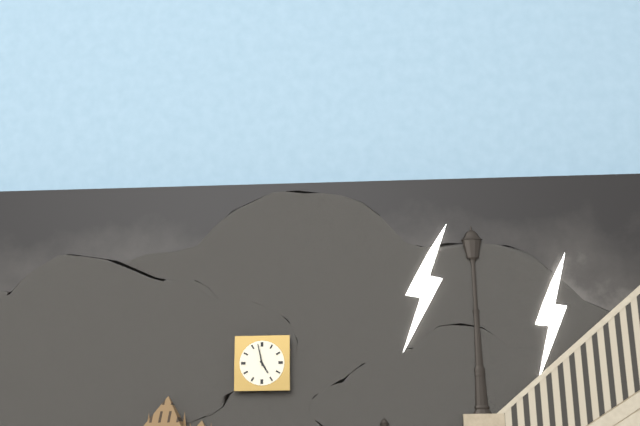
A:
**4:58**
